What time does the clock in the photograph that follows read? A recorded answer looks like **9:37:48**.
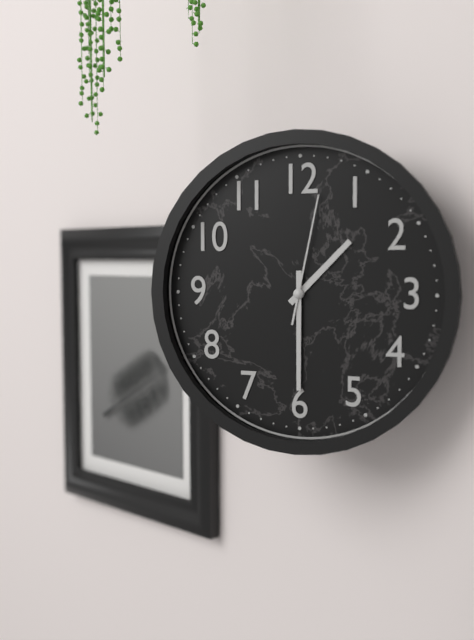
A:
**1:30:02**
